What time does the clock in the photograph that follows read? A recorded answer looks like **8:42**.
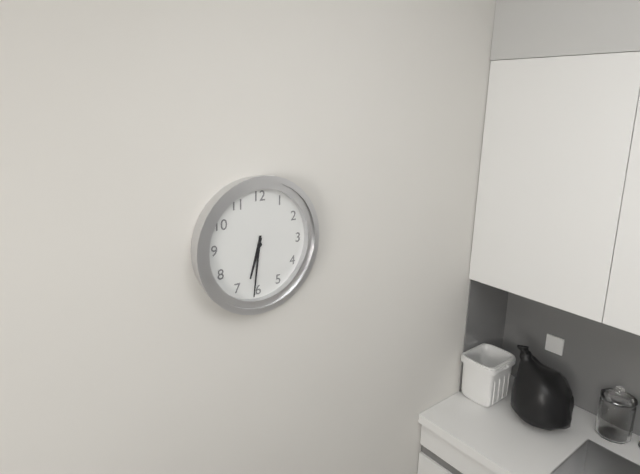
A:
**6:31**
